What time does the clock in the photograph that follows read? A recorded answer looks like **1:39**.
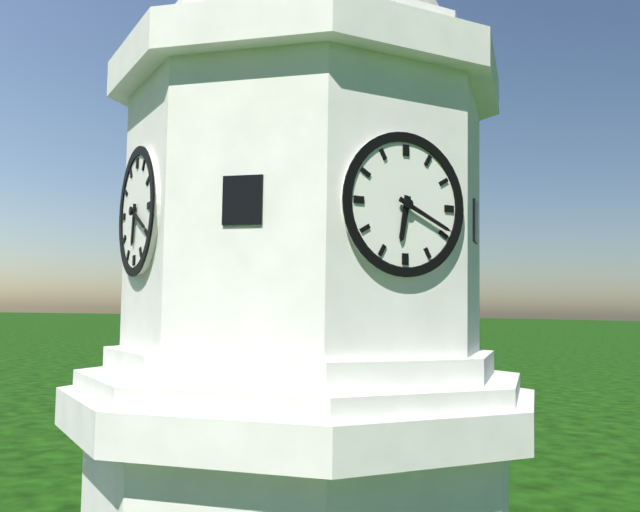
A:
**6:19**
